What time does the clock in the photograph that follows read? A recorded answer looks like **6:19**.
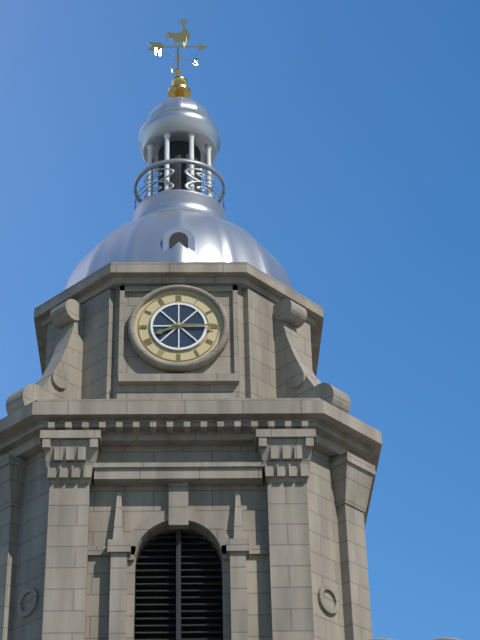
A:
**8:15**
